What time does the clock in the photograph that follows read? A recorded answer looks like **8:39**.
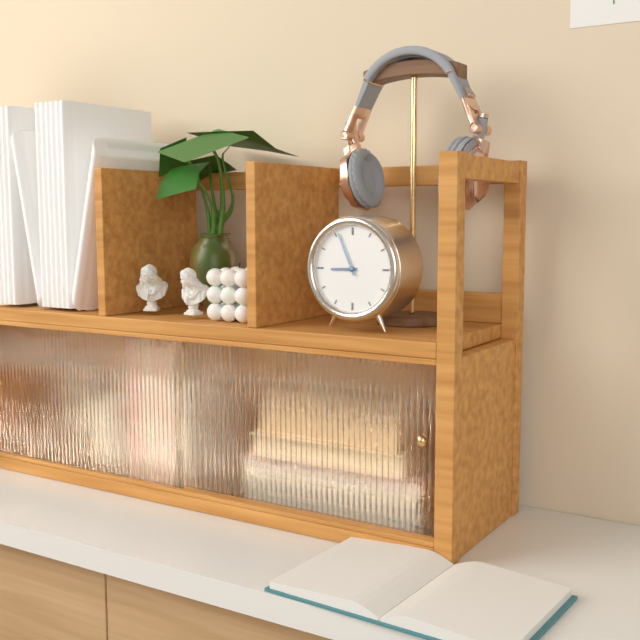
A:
**8:56**
